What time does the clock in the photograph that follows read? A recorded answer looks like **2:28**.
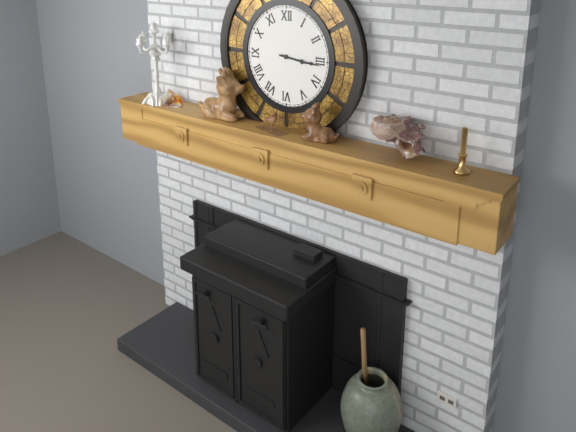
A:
**3:16**
